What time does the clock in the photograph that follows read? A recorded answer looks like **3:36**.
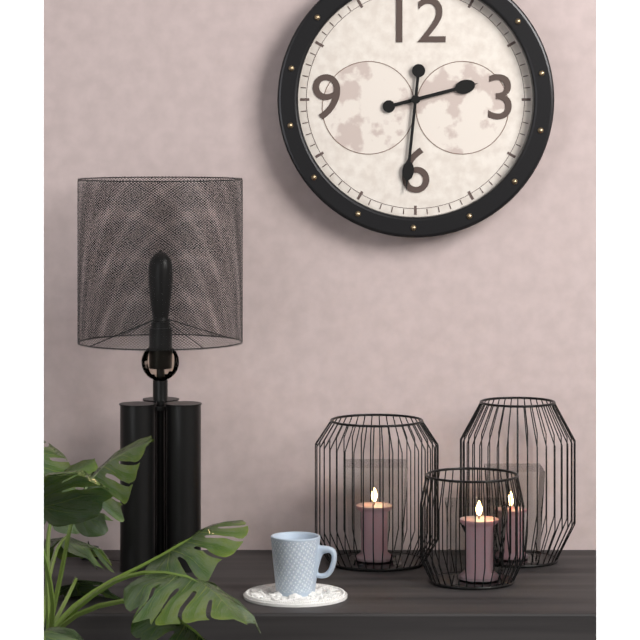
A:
**2:31**
